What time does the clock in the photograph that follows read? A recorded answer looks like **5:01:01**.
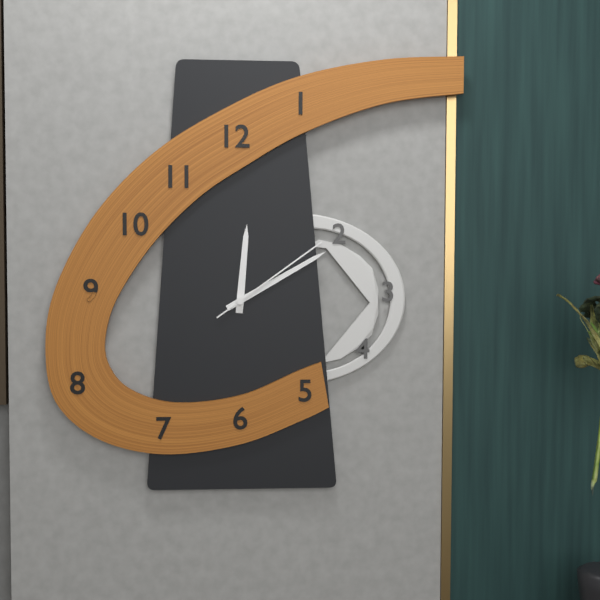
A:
**12:10:09**
